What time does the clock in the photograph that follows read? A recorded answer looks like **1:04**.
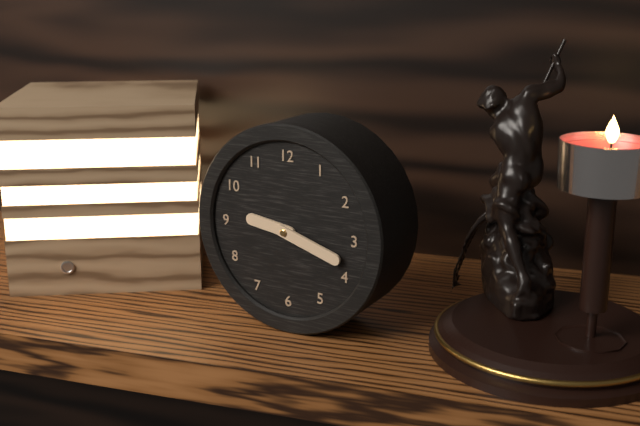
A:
**9:18**
